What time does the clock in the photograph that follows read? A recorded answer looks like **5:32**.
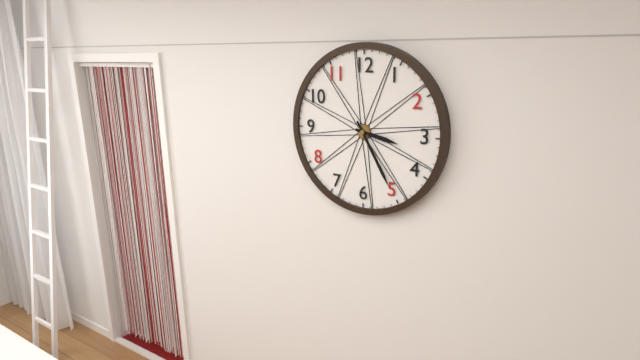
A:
**3:25**
